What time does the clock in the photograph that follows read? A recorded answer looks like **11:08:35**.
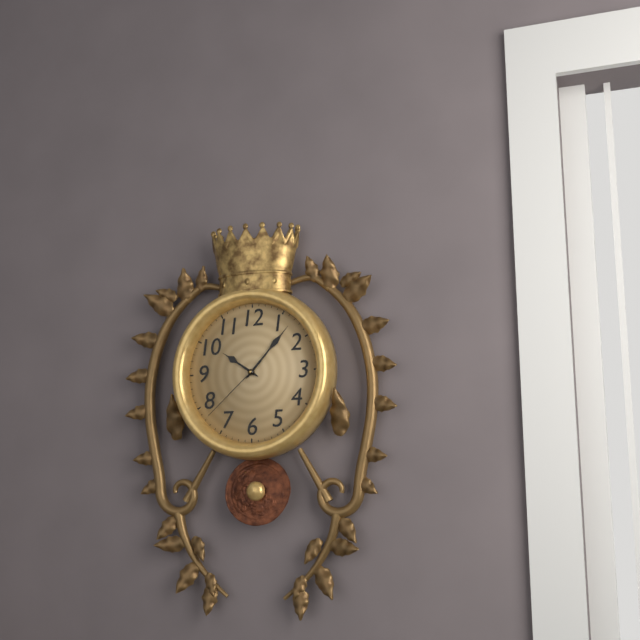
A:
**10:07:38**
